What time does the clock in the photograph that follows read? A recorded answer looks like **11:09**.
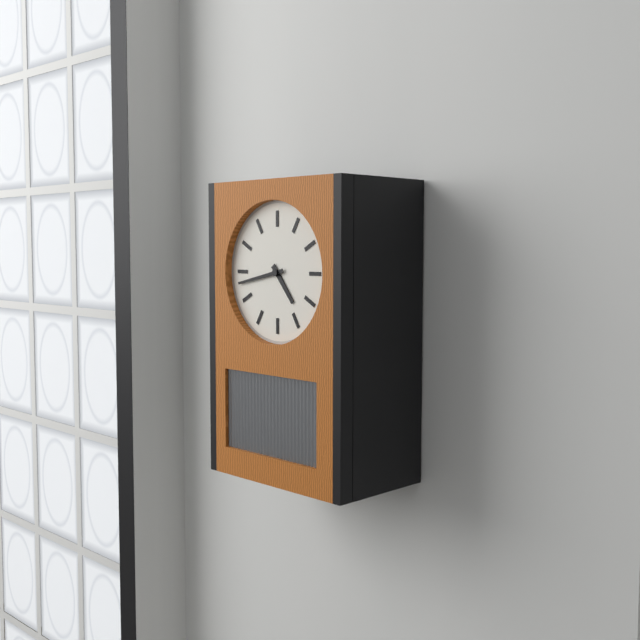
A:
**4:43**
